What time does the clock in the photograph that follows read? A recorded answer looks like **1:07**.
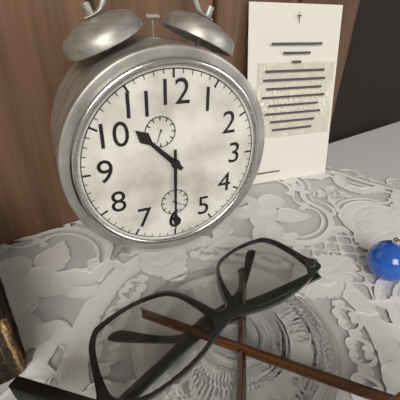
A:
**10:30**
